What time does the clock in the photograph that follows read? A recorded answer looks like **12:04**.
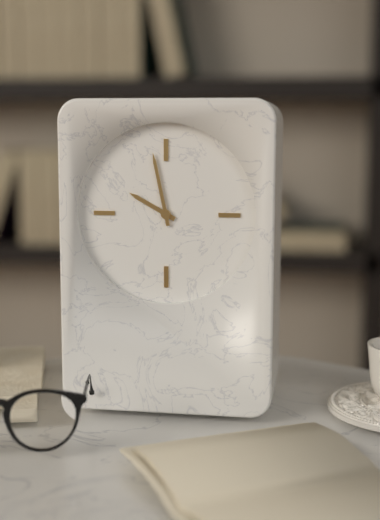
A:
**9:58**
